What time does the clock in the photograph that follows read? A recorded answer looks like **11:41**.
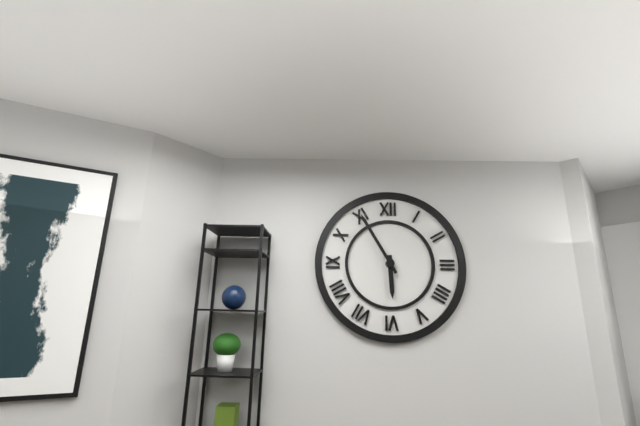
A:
**5:55**
